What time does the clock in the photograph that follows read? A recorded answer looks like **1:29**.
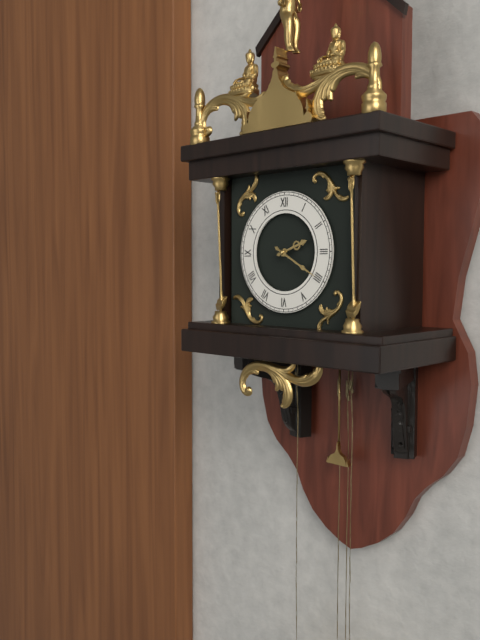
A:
**2:20**
